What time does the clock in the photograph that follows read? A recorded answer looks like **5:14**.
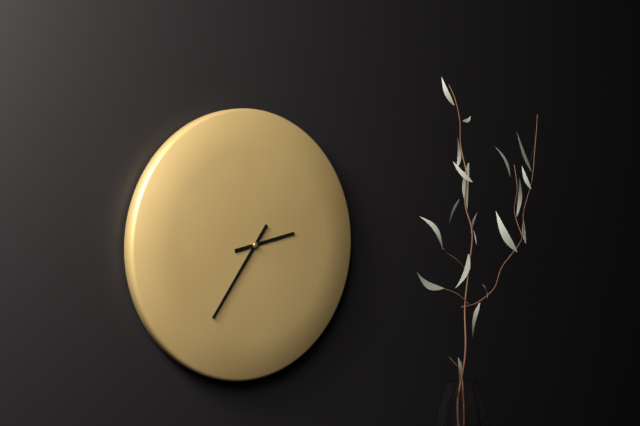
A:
**2:36**
